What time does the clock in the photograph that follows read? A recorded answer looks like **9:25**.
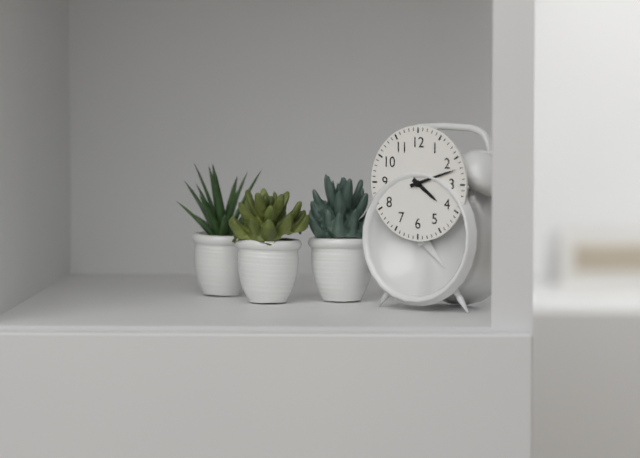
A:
**4:12**
